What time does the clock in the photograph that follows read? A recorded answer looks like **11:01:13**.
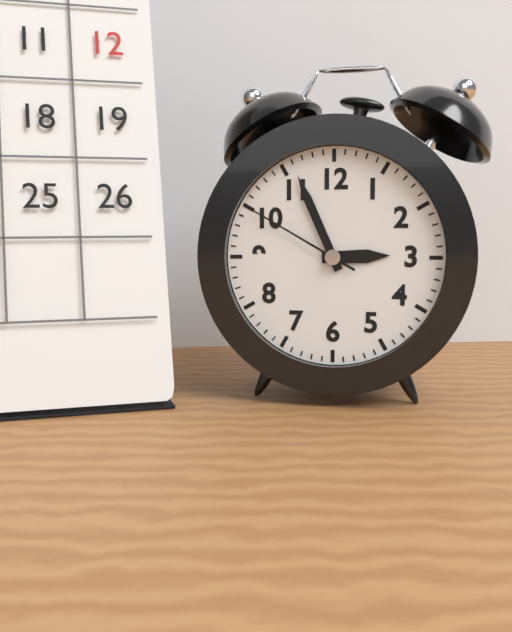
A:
**2:56:50**
